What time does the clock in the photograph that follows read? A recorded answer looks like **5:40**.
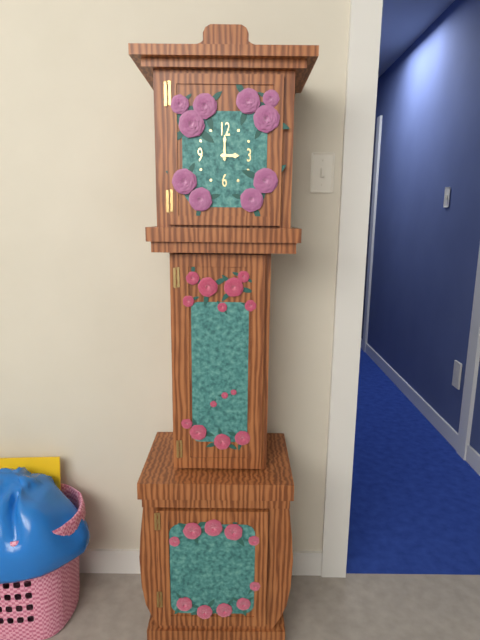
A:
**3:00**
